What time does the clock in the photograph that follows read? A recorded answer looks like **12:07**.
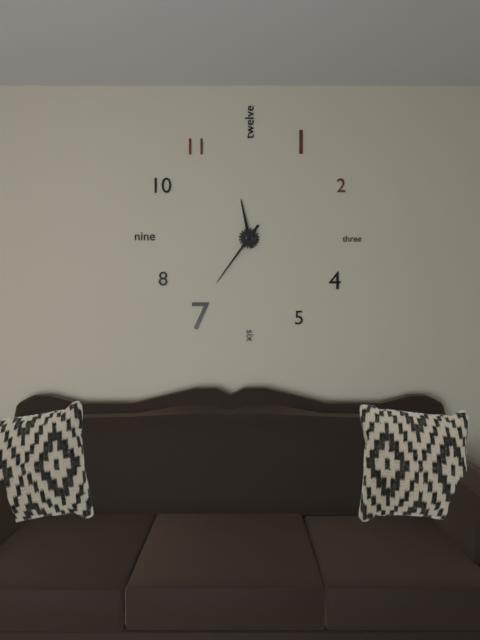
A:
**11:36**
